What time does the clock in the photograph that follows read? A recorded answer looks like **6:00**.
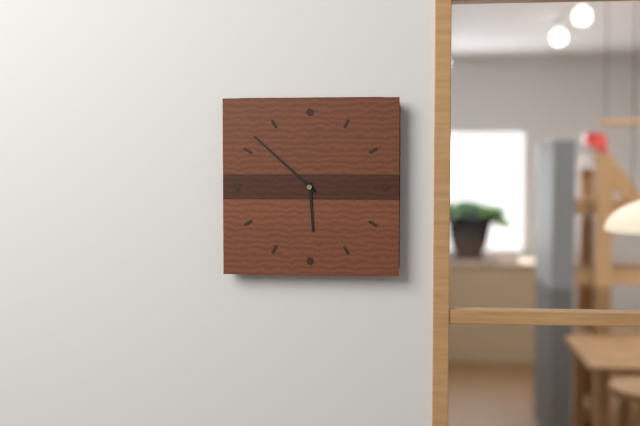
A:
**5:52**
